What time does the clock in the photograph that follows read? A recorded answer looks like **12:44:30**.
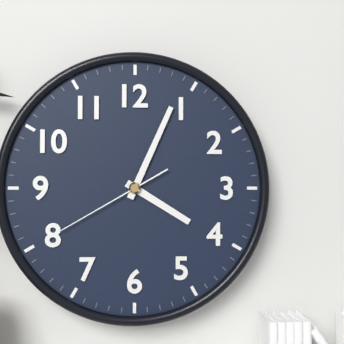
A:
**4:04:40**
